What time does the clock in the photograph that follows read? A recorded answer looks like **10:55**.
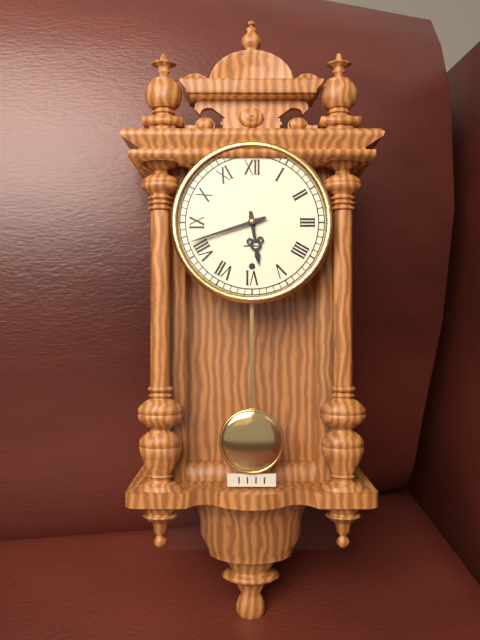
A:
**5:42**
